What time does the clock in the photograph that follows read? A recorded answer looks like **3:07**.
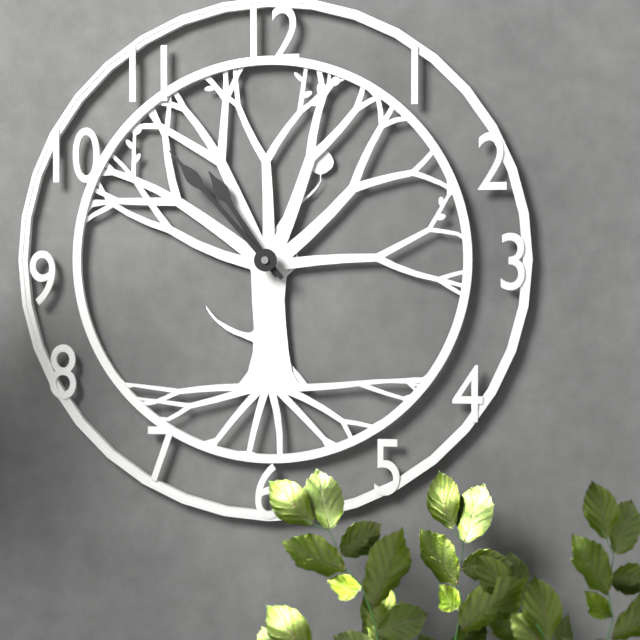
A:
**10:53**
